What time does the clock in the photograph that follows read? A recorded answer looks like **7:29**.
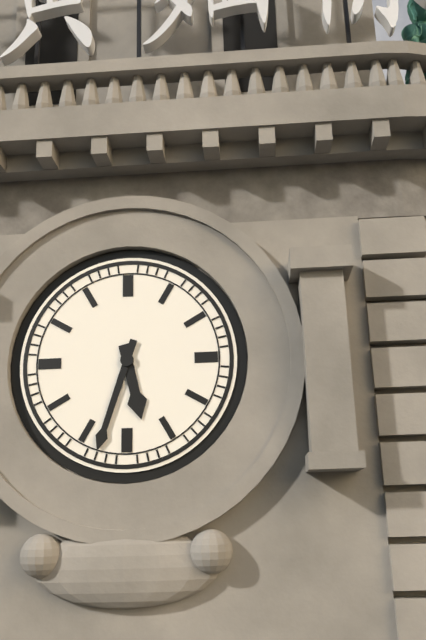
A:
**5:33**
